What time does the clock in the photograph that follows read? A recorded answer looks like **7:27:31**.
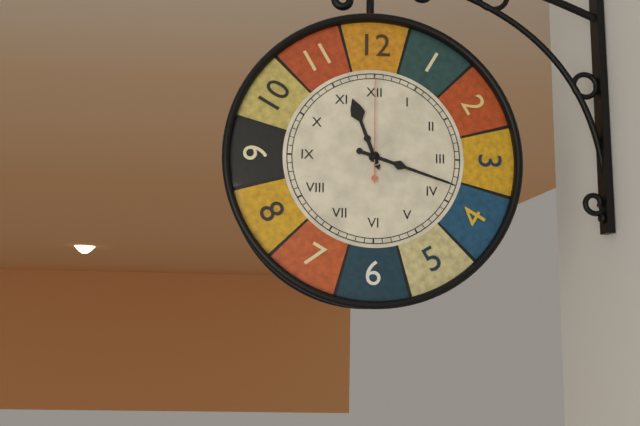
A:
**11:18:00**
